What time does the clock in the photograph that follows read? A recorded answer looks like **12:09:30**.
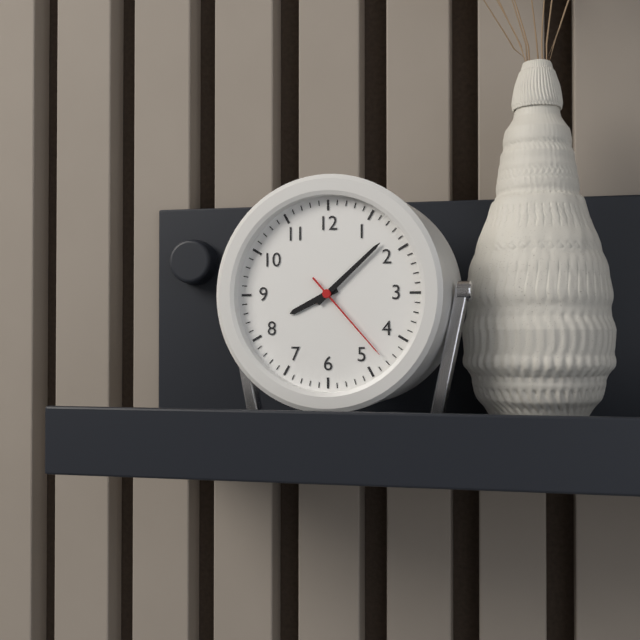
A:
**8:08:23**
